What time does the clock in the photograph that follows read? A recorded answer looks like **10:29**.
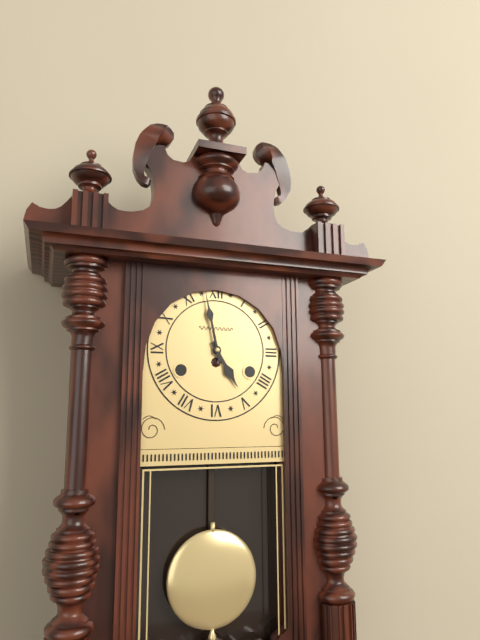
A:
**4:58**
